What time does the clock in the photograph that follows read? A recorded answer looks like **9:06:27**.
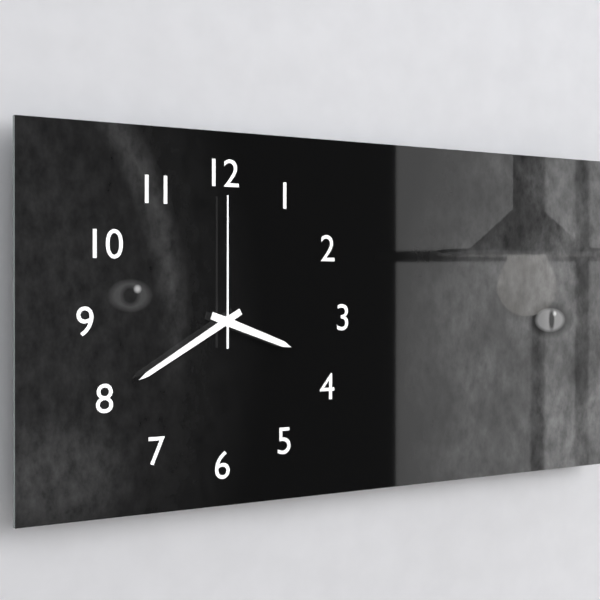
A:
**3:40:00**
